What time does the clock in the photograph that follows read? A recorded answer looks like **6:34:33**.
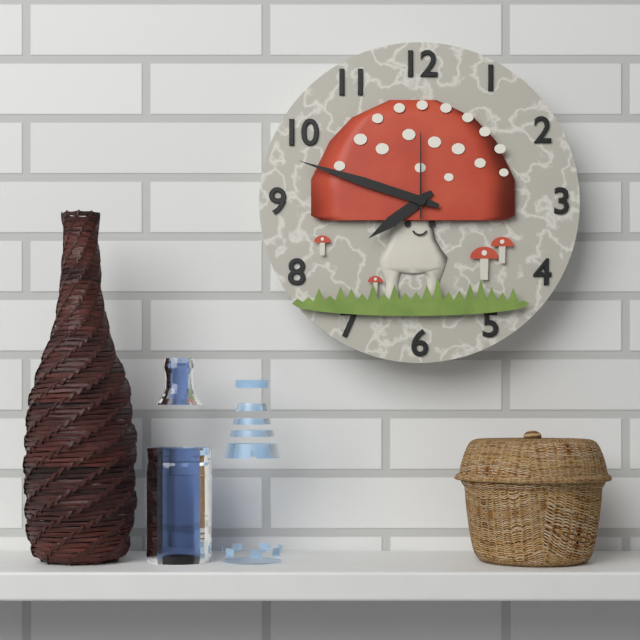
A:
**7:48:00**
